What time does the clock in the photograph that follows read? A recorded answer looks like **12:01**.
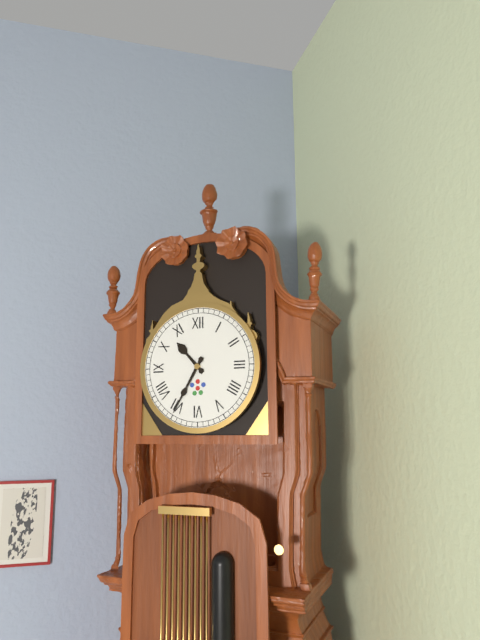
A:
**10:35**
